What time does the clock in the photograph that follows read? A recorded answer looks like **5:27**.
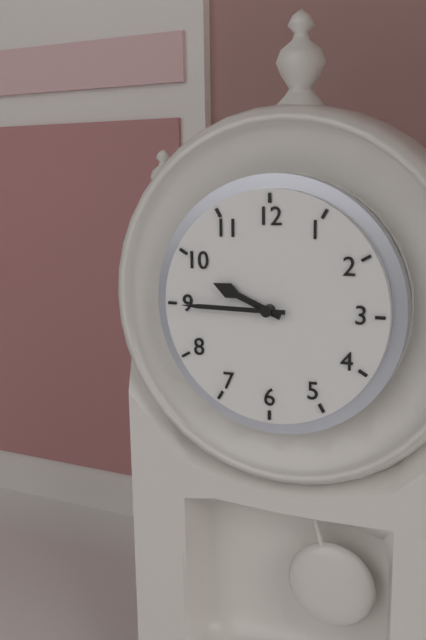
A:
**9:45**
